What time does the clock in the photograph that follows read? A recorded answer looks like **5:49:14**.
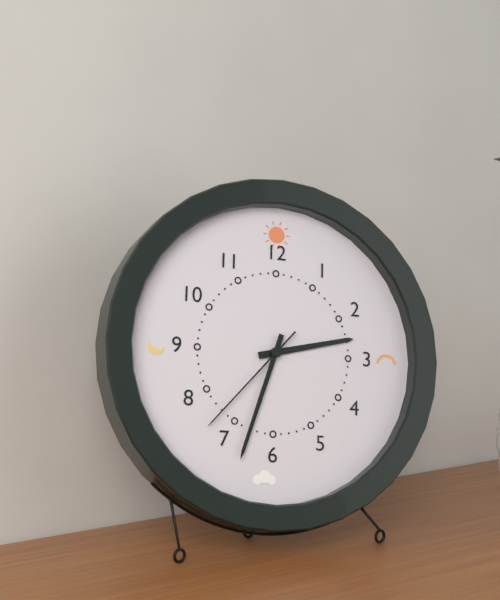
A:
**2:33:37**
